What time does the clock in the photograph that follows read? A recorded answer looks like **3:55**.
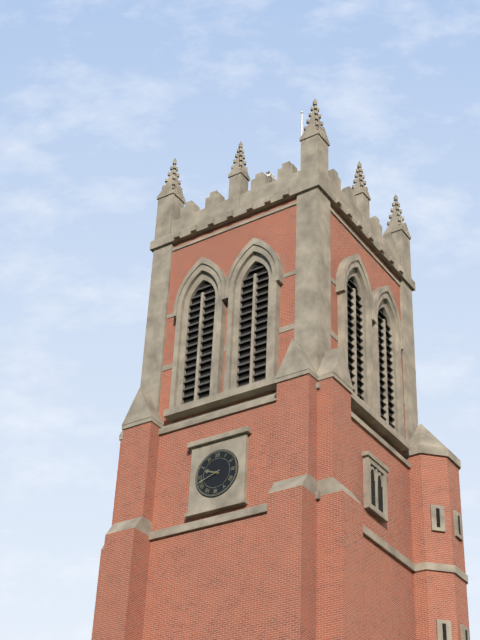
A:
**9:42**
